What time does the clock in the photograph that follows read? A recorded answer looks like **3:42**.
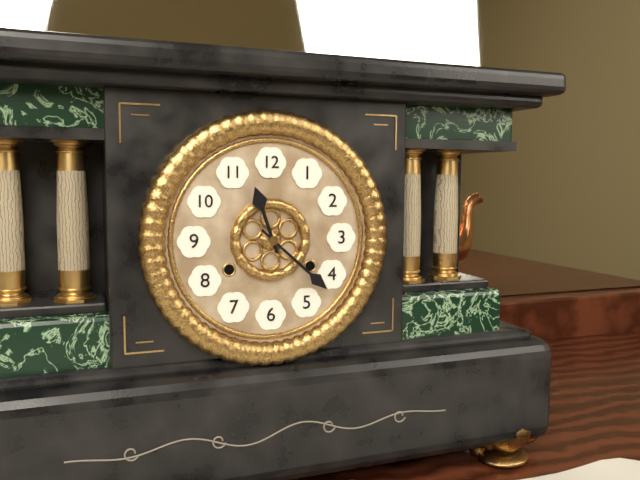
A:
**11:22**
